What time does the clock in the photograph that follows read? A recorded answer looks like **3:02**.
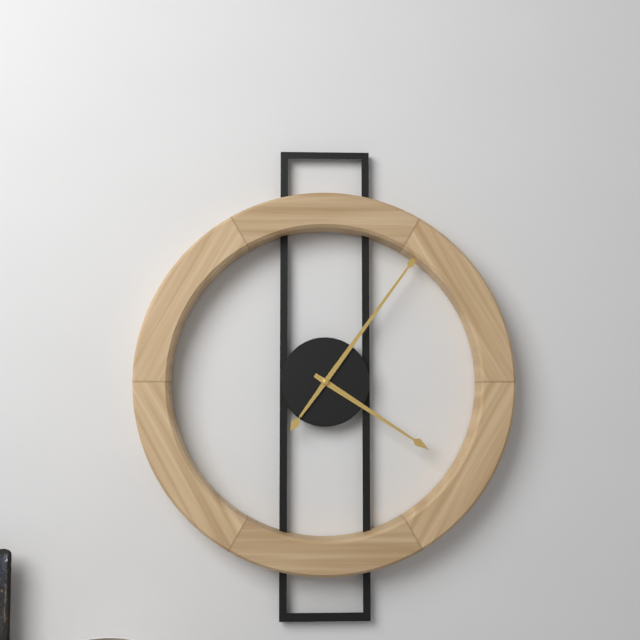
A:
**4:06**
